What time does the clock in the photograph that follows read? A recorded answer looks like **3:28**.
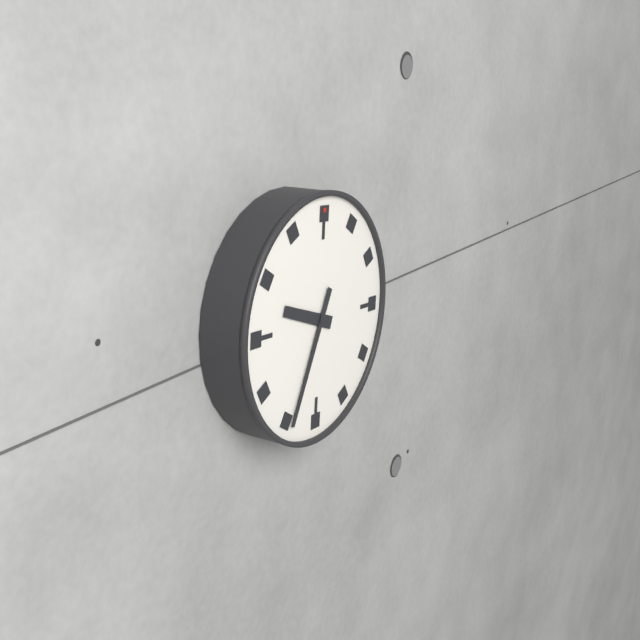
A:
**9:34**
